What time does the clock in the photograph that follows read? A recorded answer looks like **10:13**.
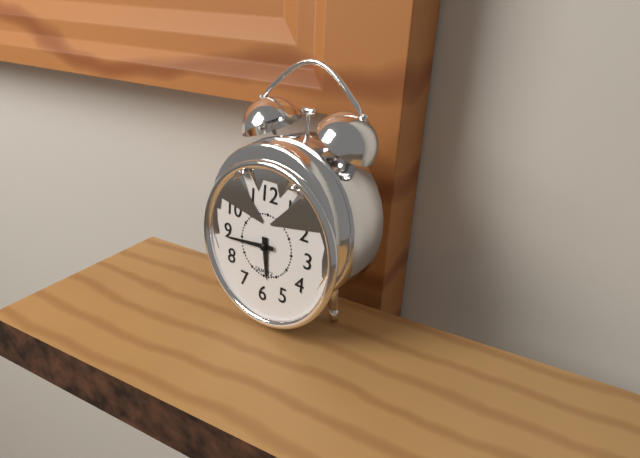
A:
**5:44**
